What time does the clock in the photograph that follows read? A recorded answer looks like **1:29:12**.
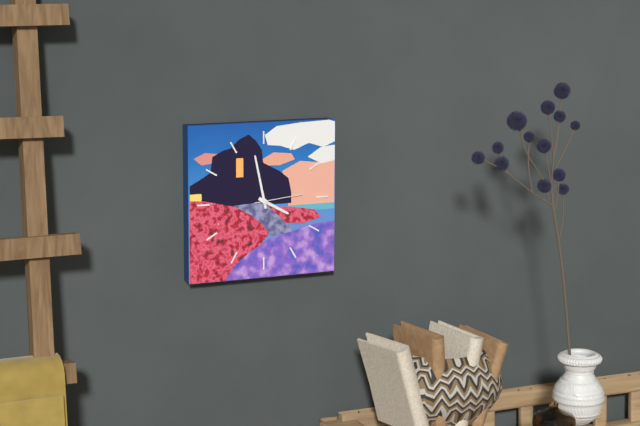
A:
**3:58:14**
